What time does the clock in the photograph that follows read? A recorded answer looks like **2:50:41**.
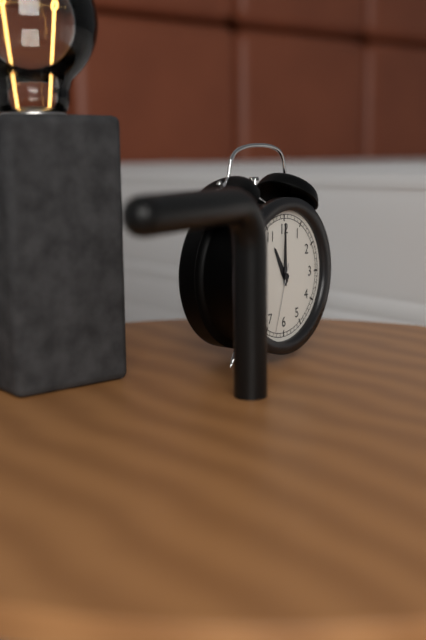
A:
**11:00:33**
